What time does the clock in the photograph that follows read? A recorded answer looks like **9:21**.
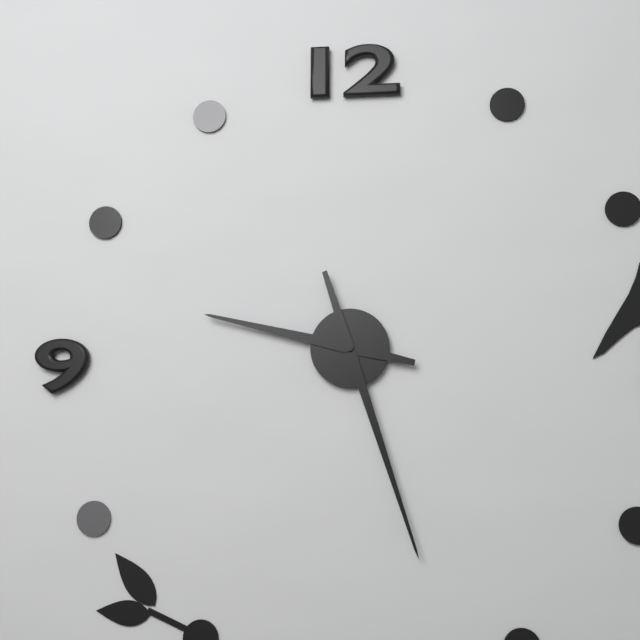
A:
**9:27**
